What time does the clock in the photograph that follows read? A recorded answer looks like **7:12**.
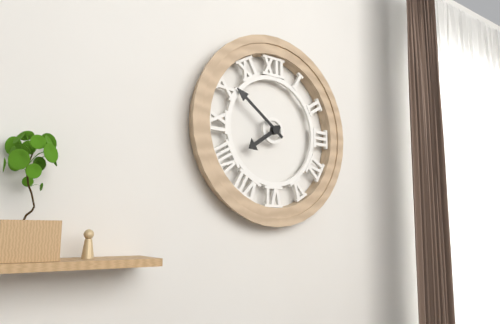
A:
**7:51**
